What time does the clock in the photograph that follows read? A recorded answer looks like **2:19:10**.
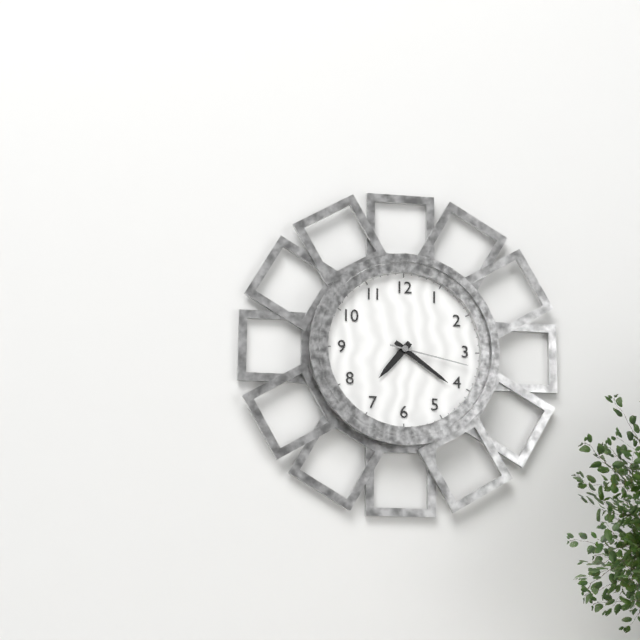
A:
**7:21:17**
